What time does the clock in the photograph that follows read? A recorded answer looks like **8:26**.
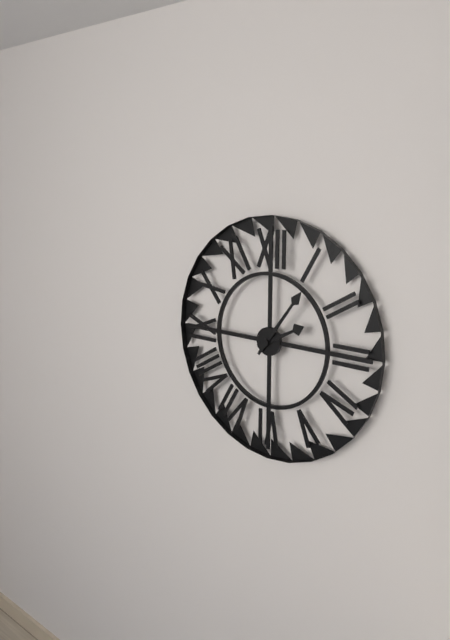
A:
**2:06**
